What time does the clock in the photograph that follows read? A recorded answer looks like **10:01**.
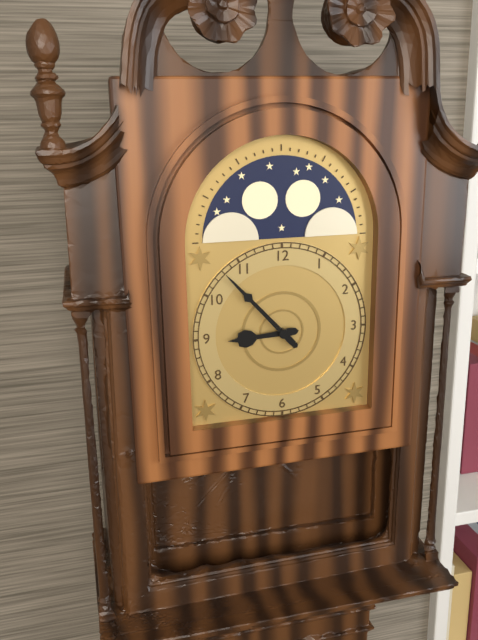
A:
**8:53**
